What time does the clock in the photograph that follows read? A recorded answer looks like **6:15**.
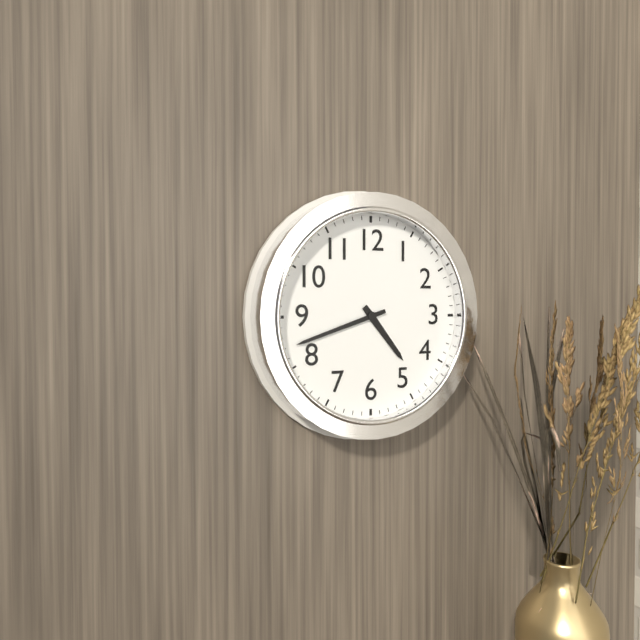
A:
**4:42**
